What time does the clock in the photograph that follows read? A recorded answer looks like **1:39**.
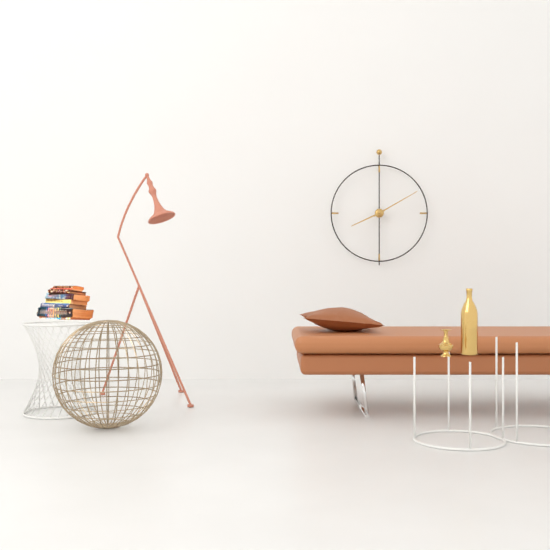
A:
**8:10**
